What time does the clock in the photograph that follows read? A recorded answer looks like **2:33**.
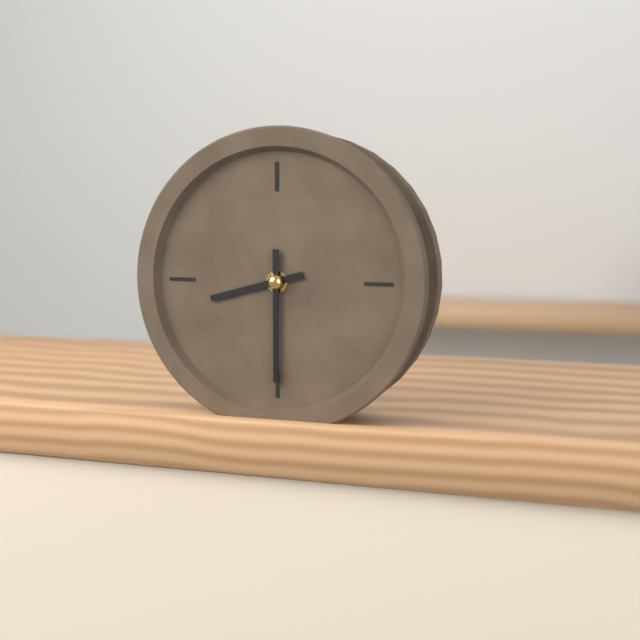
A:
**8:30**
